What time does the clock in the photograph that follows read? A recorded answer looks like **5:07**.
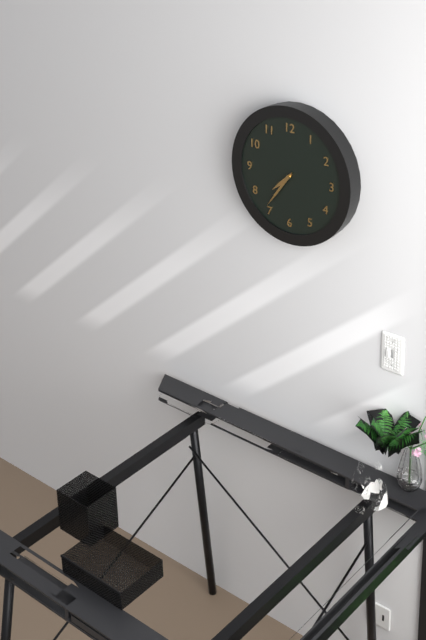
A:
**7:36**
